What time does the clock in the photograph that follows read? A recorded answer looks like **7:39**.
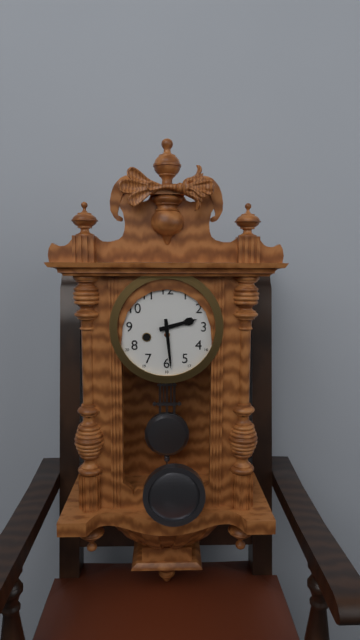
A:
**2:29**
